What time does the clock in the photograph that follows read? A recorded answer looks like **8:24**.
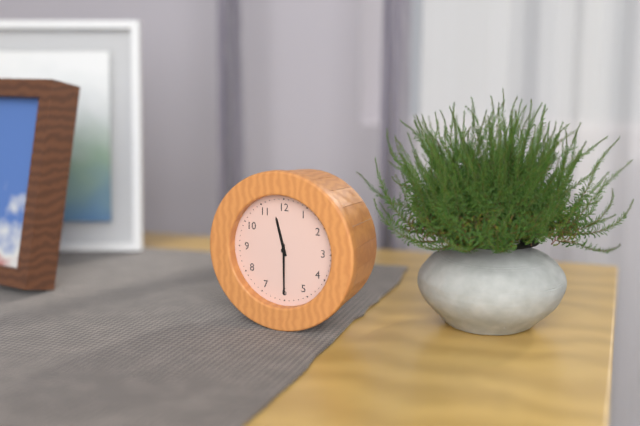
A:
**11:30**
